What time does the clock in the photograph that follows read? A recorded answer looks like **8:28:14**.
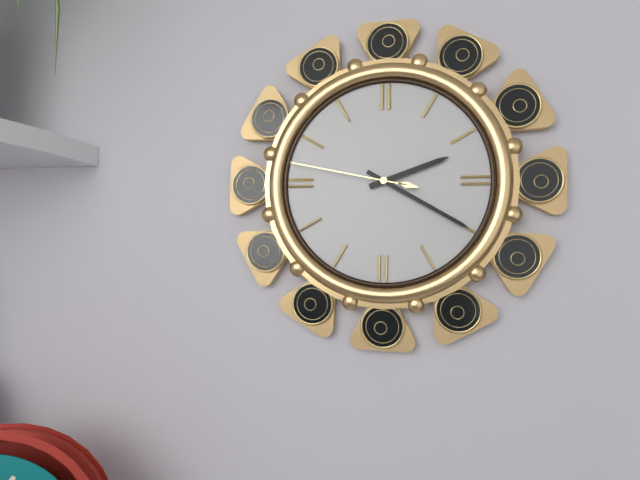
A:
**2:20:47**
